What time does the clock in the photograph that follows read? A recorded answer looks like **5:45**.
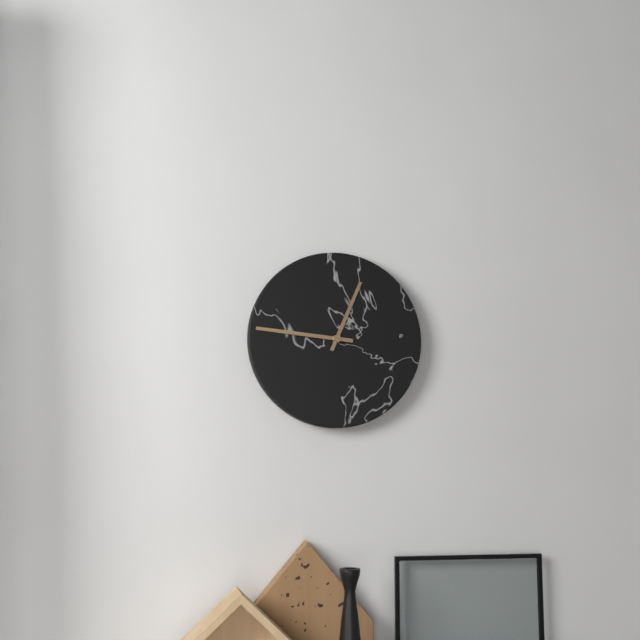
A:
**12:46**
